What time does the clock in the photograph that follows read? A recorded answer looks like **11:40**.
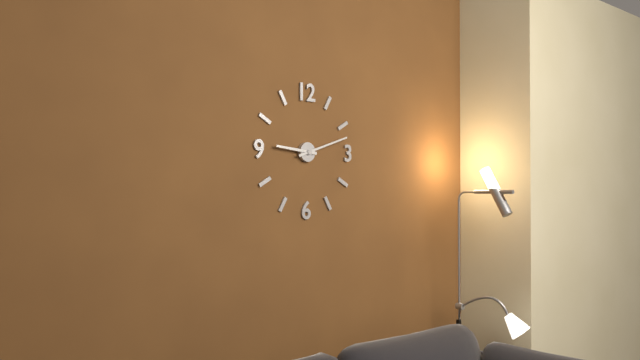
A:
**9:12**
